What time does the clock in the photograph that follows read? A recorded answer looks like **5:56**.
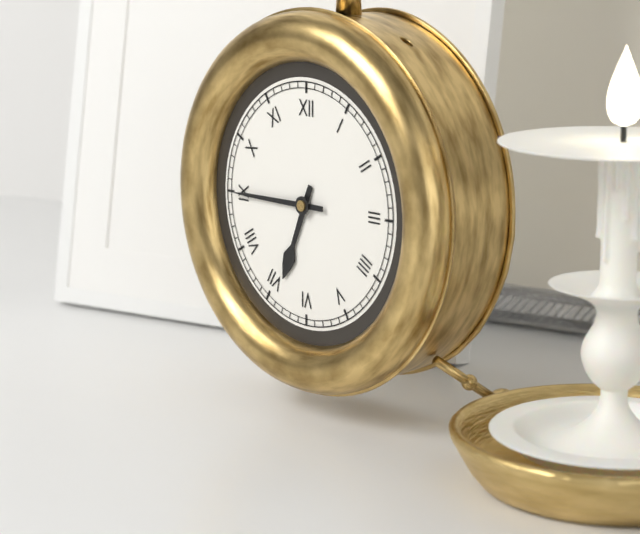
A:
**6:45**
